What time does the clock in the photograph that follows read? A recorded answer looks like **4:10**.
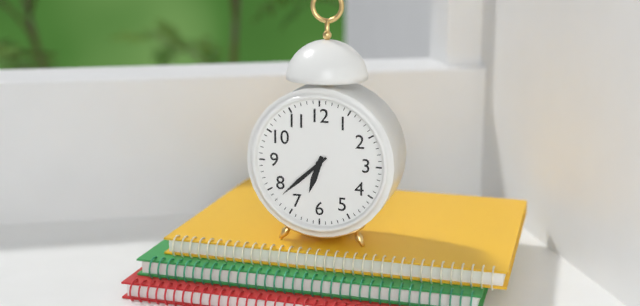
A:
**6:38**
